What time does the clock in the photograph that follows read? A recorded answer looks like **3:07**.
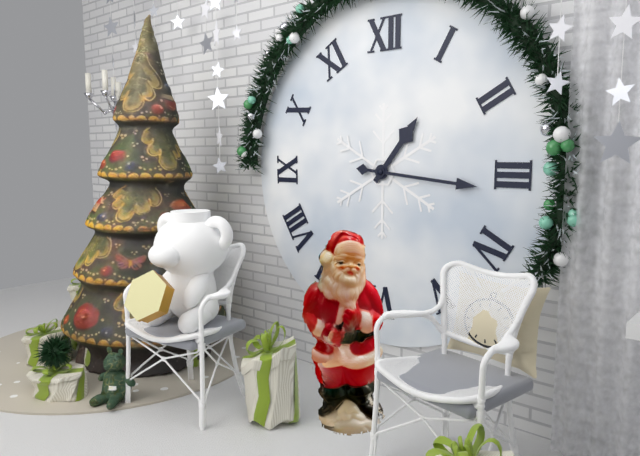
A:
**1:16**
